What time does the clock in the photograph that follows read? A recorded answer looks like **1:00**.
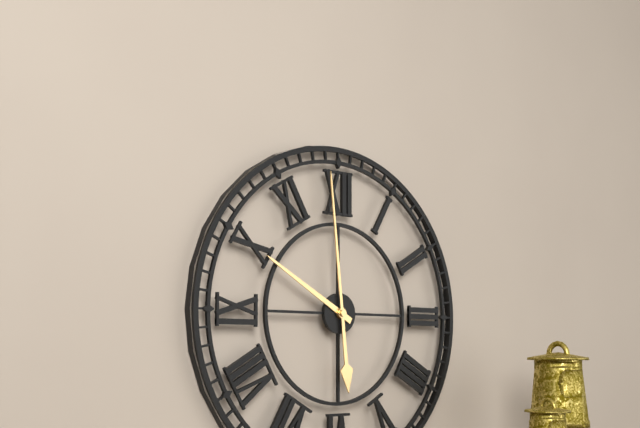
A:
**9:59**
